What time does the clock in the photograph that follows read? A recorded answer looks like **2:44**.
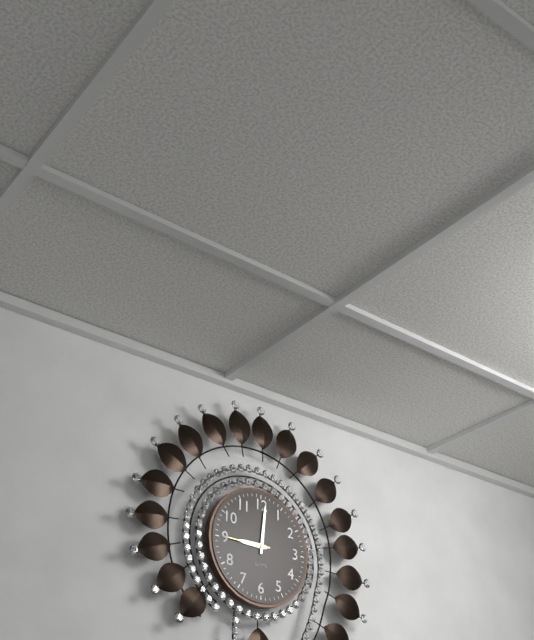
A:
**9:01**
